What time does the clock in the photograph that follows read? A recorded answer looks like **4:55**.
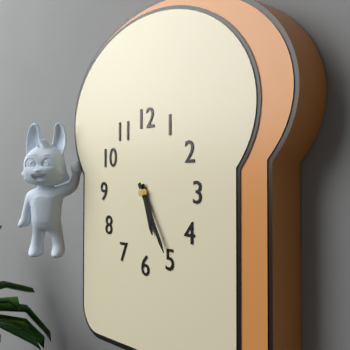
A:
**5:25**
